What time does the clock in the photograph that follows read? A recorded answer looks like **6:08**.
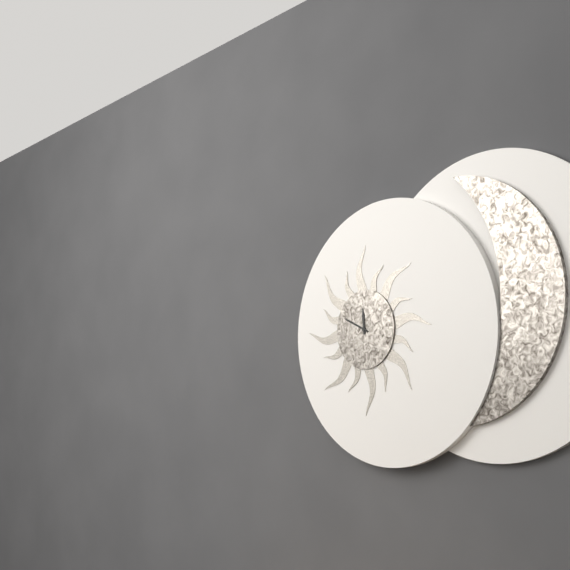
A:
**11:49**
